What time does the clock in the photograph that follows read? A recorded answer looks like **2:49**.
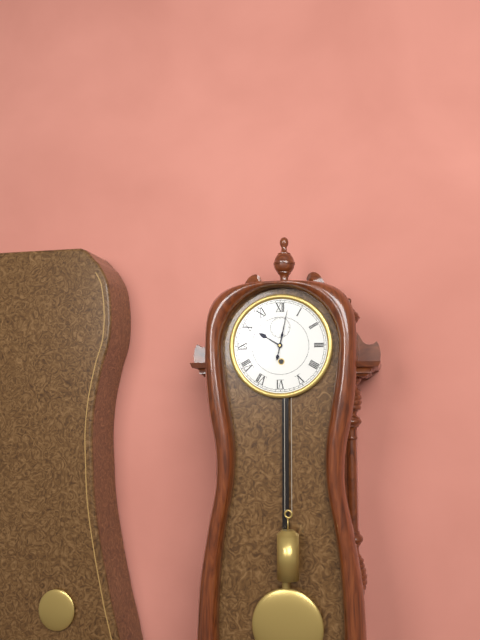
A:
**10:02**
